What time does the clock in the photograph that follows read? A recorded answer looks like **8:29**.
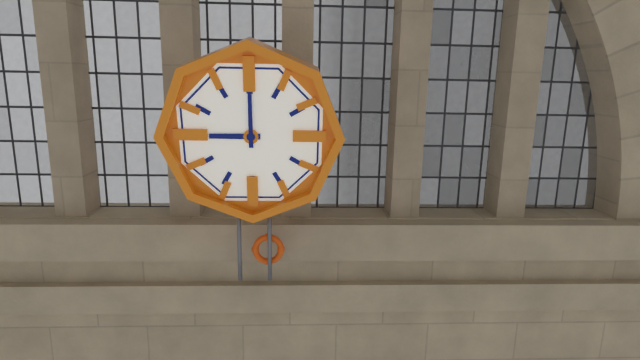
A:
**9:00**
